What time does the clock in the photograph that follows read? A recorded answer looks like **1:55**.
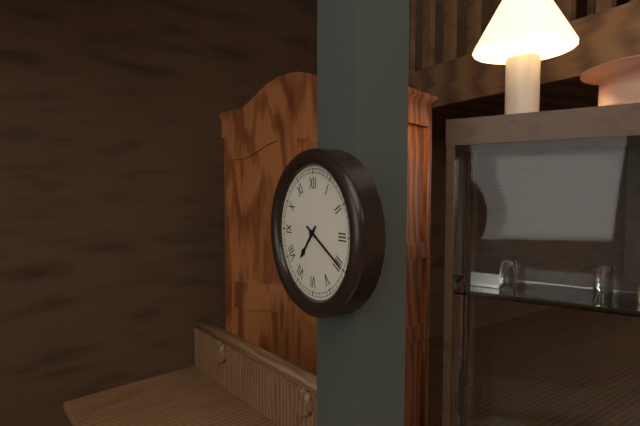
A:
**7:20**
